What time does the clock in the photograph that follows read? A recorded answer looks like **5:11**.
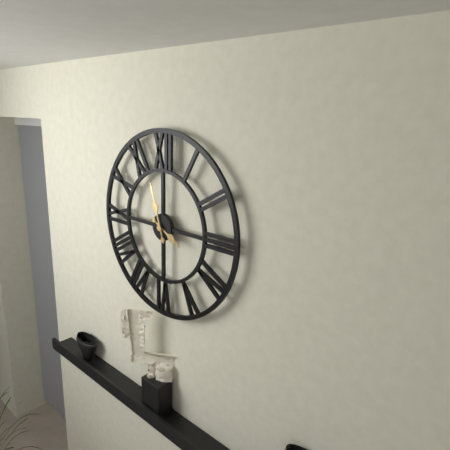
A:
**3:57**
